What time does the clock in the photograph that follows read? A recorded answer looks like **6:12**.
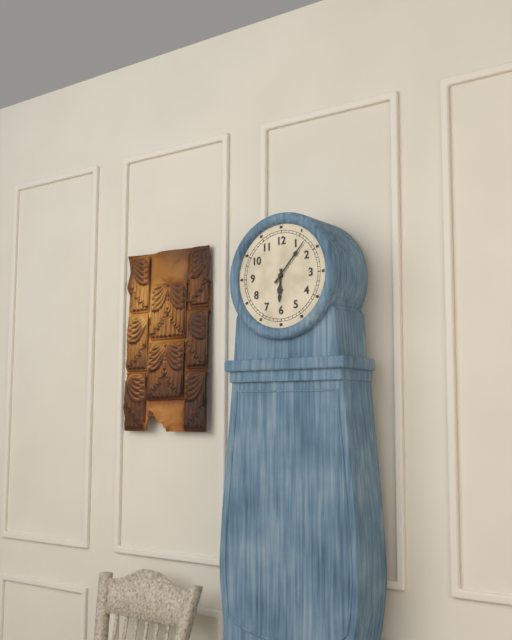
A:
**6:07**
